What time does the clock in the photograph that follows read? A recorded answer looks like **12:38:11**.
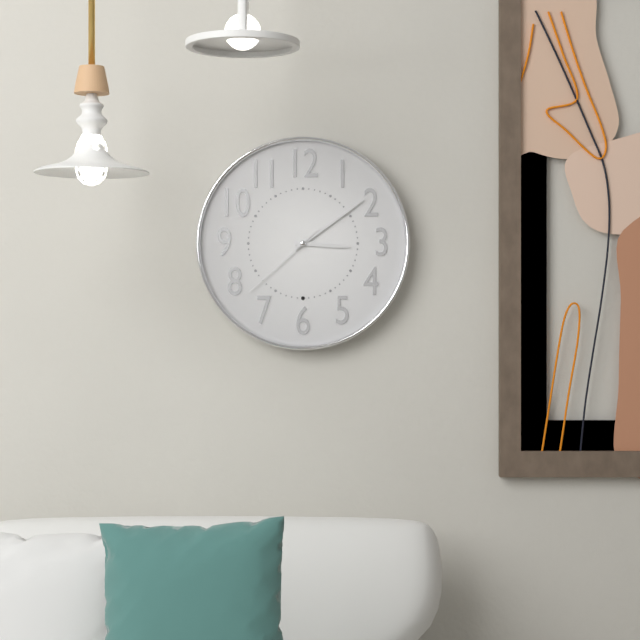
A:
**3:09:38**
